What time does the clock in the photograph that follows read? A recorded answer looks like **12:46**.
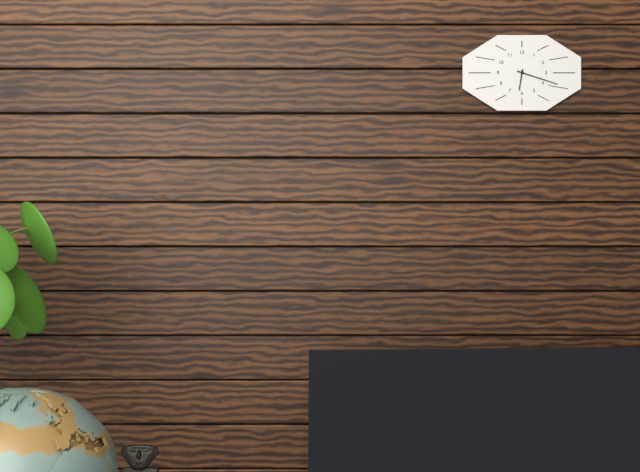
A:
**6:18**
